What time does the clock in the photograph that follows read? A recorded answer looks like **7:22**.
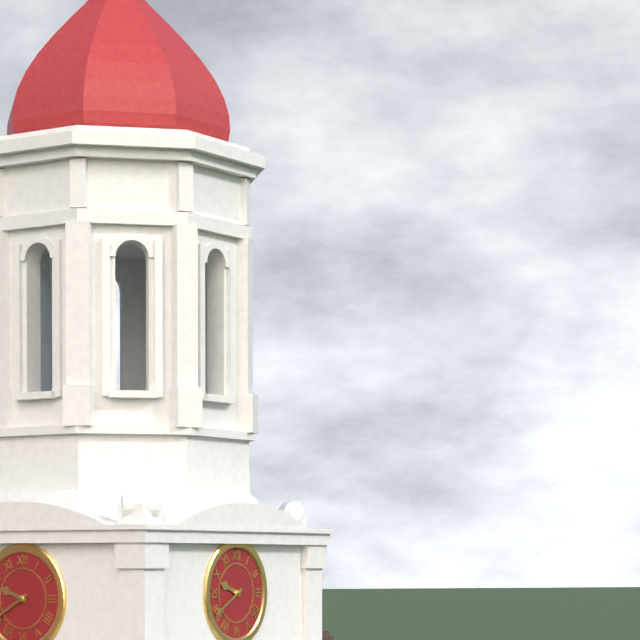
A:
**9:40**
